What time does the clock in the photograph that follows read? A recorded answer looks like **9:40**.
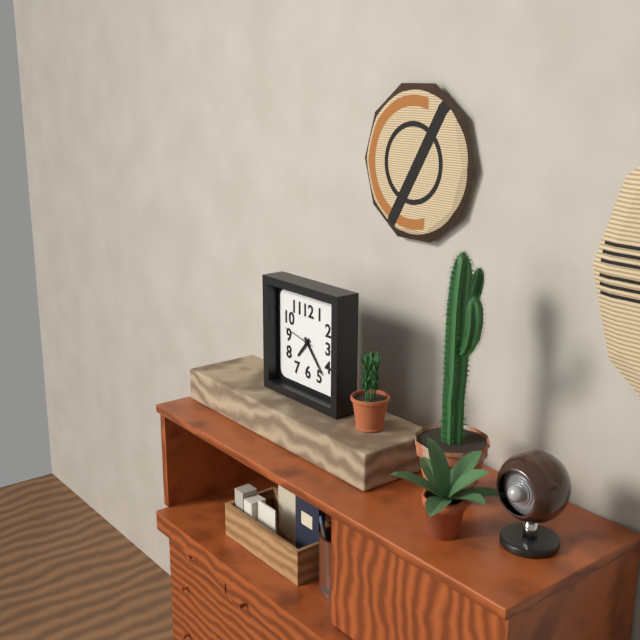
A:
**7:23**
